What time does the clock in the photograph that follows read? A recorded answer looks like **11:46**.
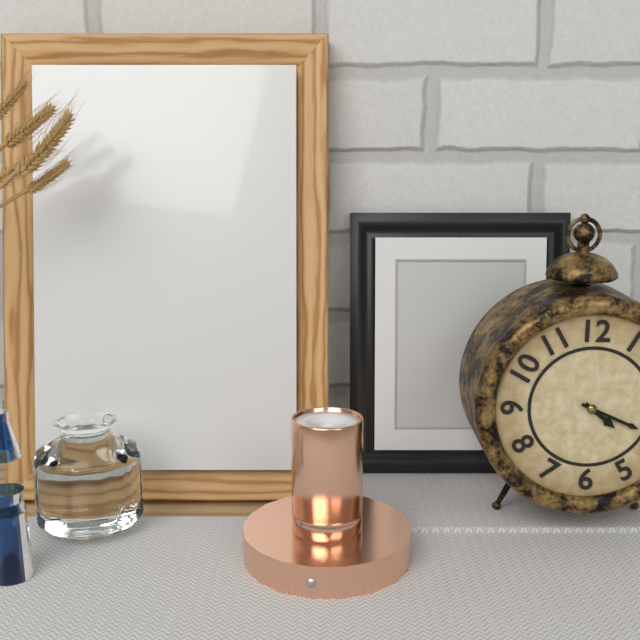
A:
**4:19**
